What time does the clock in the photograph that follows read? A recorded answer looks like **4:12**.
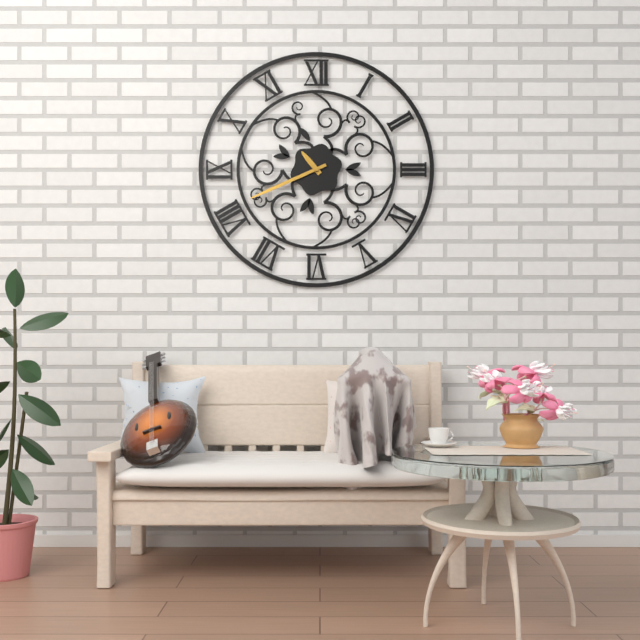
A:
**10:41**
